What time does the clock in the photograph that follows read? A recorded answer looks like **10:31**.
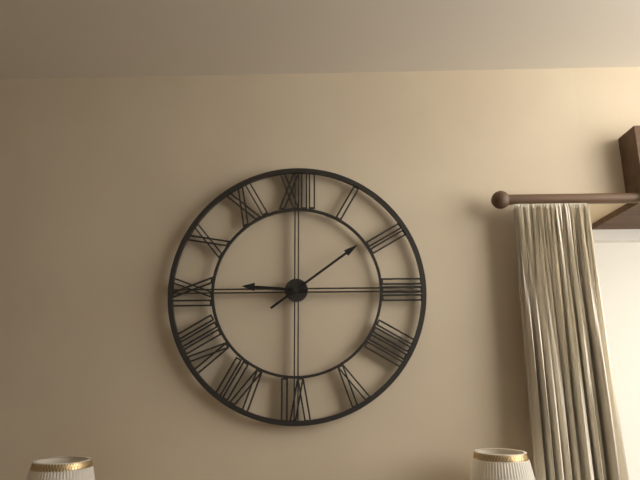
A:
**9:09**
